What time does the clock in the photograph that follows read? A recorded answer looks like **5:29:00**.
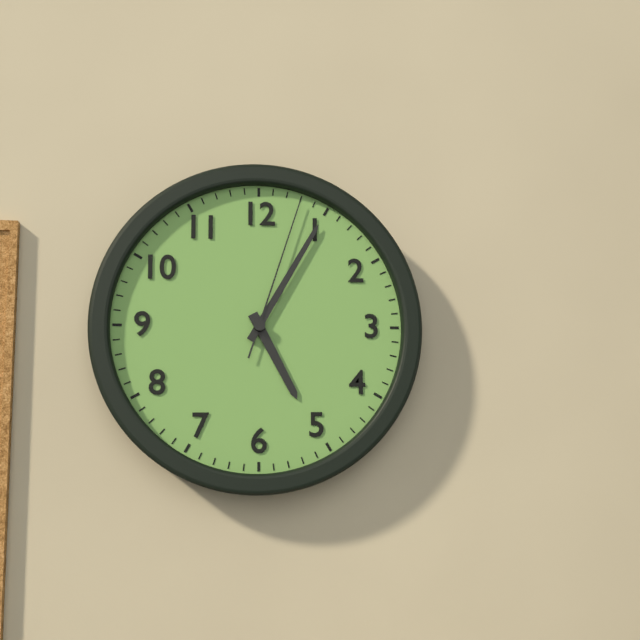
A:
**5:05:03**
